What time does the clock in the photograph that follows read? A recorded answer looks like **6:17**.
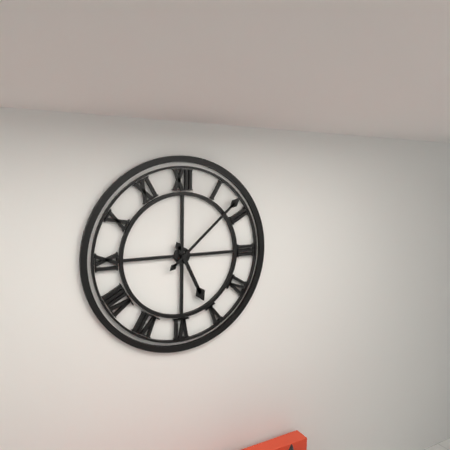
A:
**5:08**
